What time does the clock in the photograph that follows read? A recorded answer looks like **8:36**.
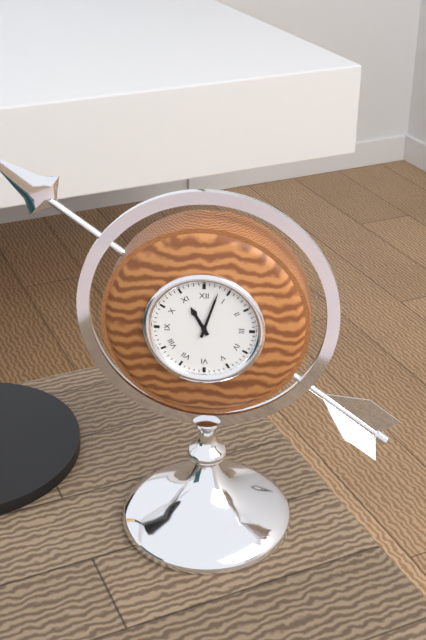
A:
**11:03**
